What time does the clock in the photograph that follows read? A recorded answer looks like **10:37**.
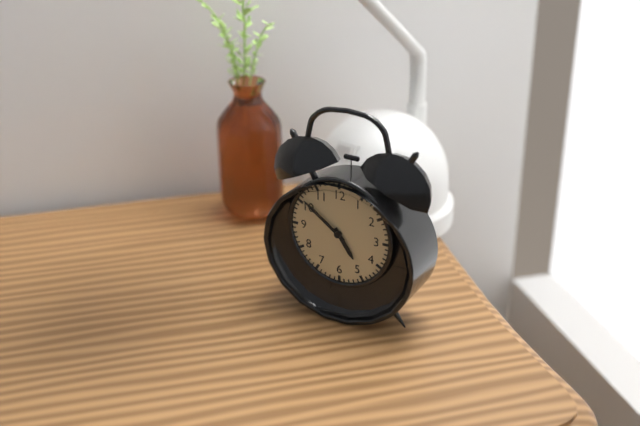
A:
**4:51**
